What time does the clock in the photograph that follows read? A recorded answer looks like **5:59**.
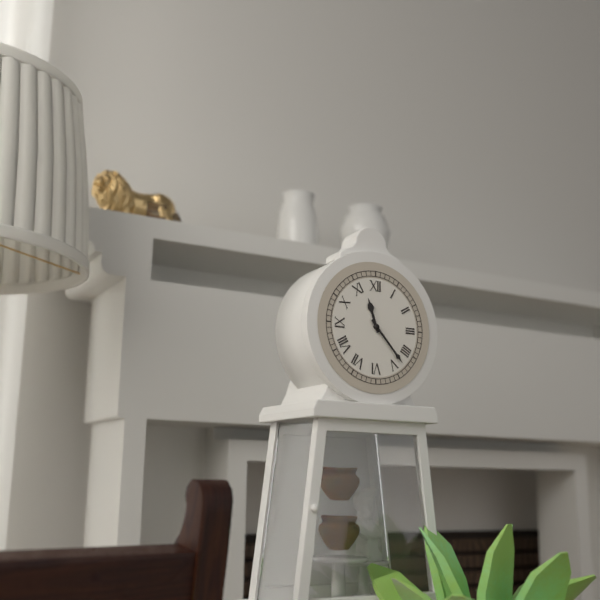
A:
**11:23**
